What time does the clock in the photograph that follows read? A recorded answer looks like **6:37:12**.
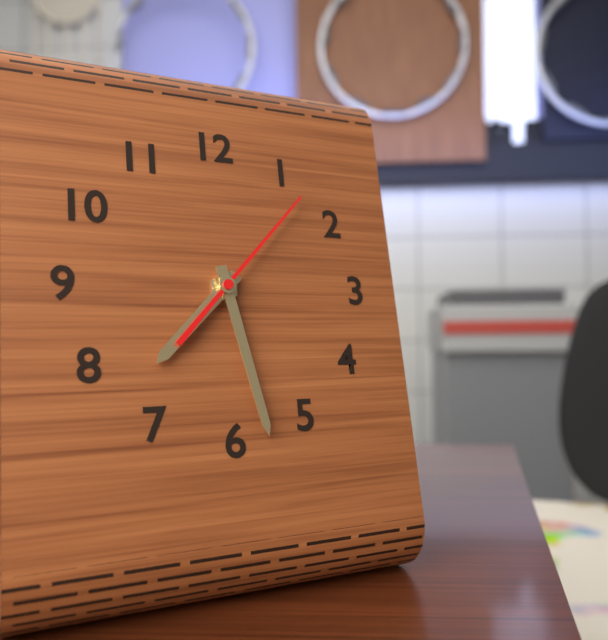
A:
**7:28:07**
